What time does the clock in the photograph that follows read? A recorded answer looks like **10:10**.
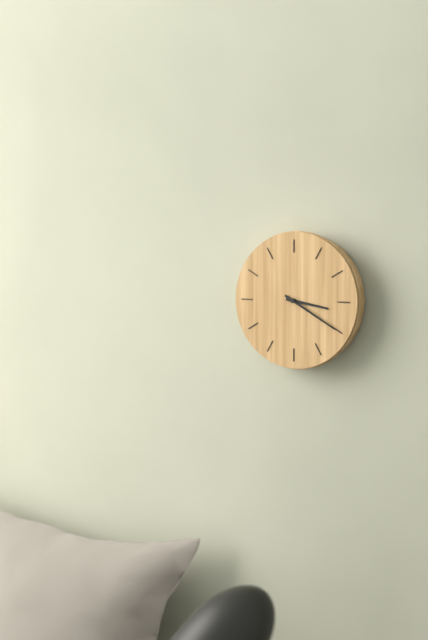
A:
**3:20**
